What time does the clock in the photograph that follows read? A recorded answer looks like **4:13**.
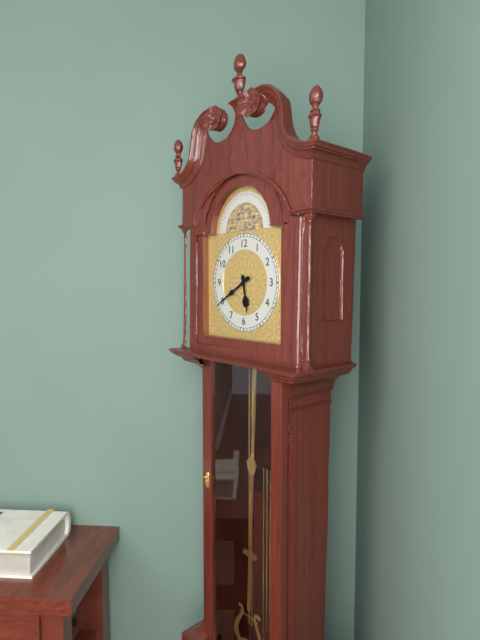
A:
**5:40**
